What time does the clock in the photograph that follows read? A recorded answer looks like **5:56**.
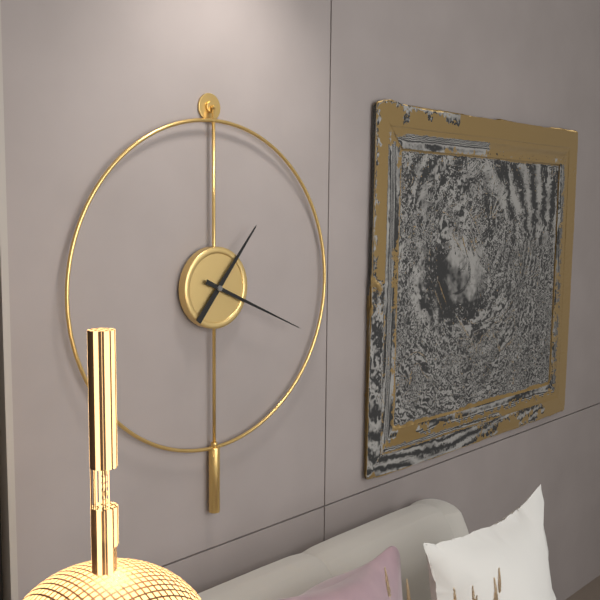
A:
**1:19**
